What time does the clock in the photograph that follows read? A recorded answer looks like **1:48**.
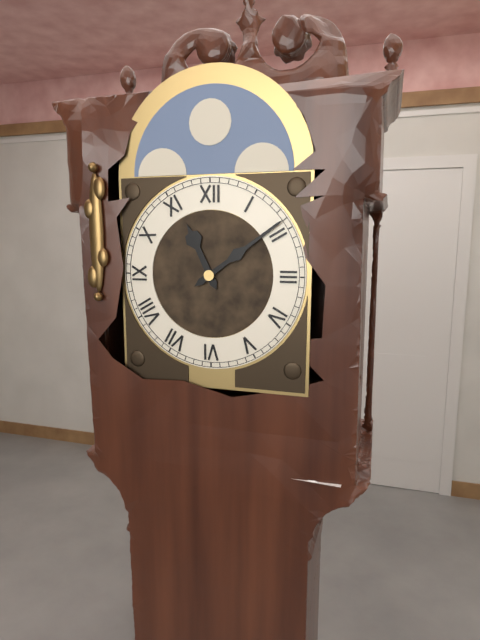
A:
**11:09**
